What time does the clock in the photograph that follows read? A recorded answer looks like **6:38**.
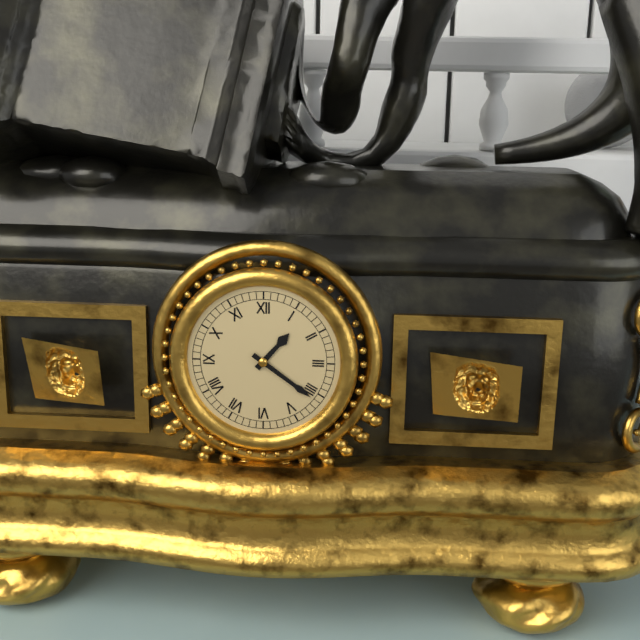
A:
**1:21**
